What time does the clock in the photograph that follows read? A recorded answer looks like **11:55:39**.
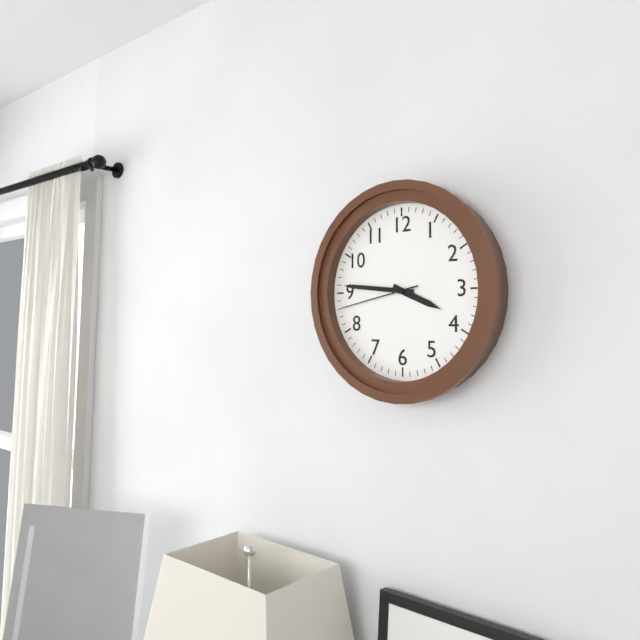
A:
**3:46:43**
